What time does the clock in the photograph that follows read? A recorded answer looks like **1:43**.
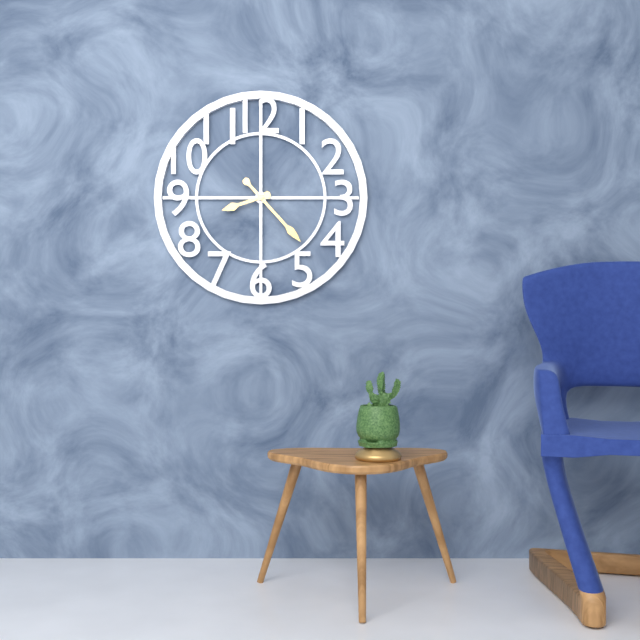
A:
**8:23**
